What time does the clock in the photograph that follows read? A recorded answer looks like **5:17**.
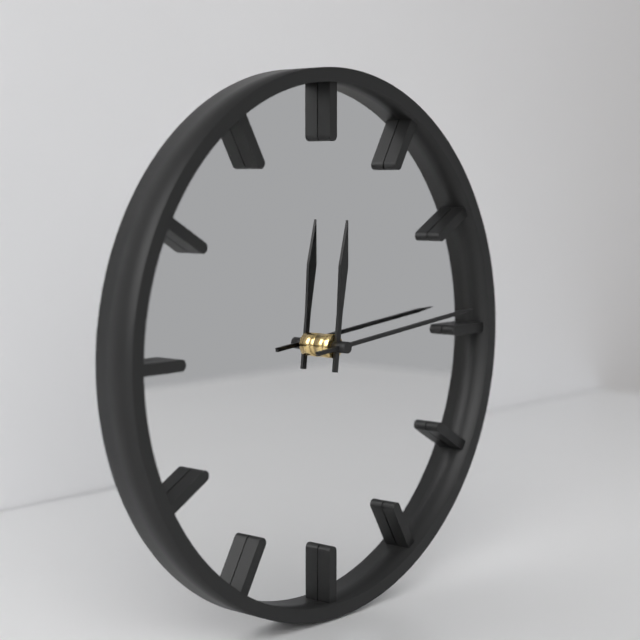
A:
**12:14**
